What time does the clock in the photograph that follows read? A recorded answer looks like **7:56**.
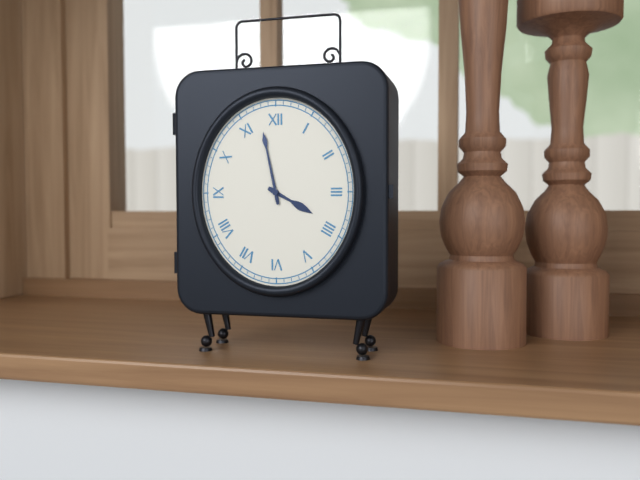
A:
**3:58**
